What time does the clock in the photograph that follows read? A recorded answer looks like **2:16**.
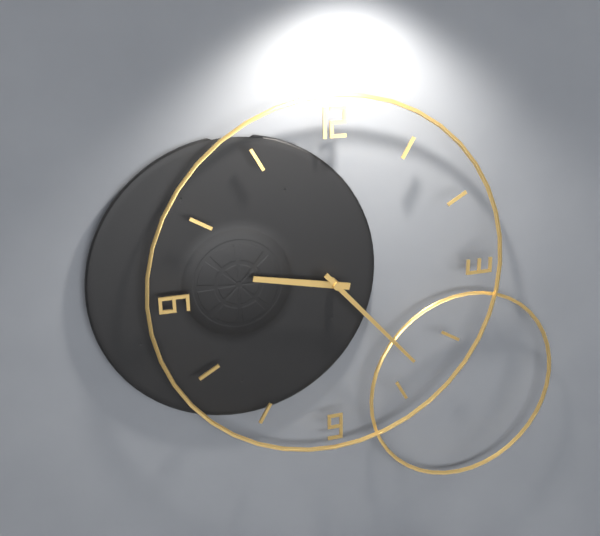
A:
**9:23**
